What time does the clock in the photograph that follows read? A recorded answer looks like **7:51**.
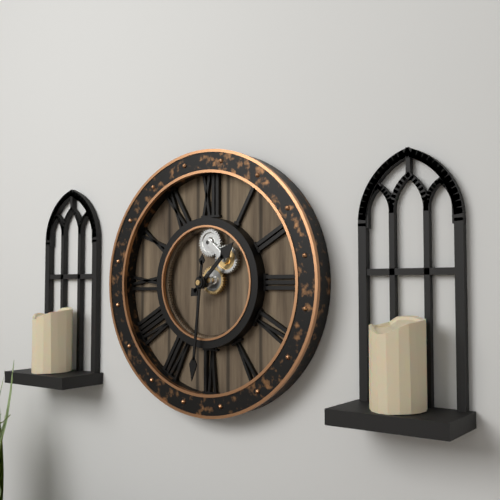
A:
**1:31**
